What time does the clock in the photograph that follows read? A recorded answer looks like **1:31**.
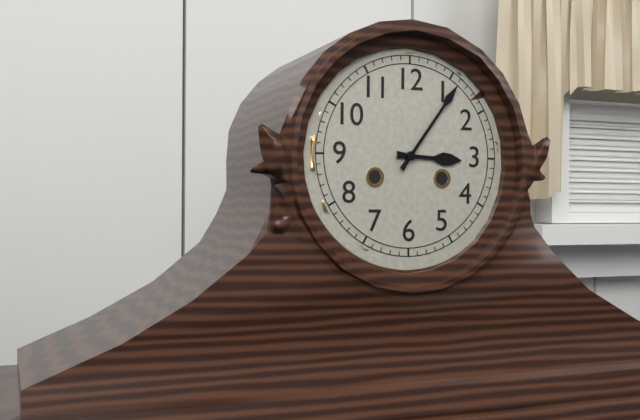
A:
**3:06**
